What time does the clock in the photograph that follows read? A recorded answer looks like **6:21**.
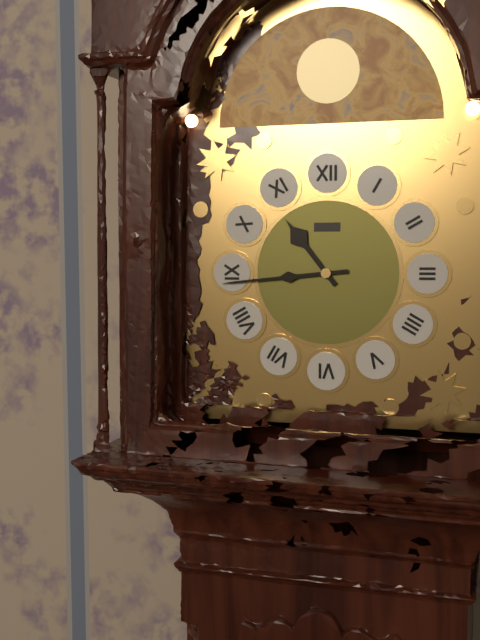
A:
**10:44**
